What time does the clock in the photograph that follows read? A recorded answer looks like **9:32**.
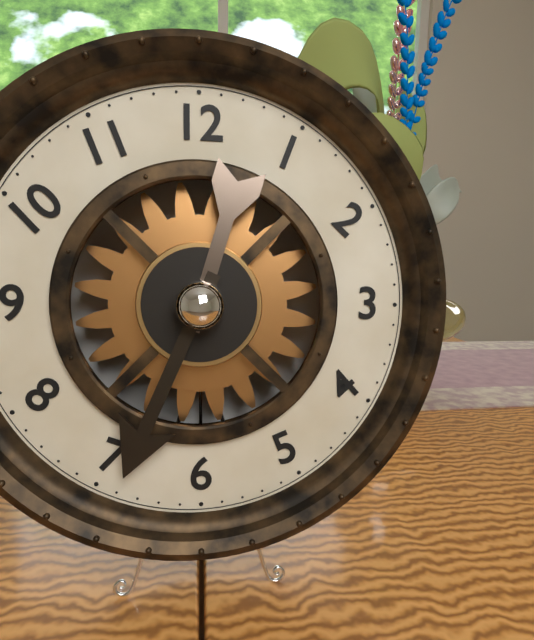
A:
**12:34**
